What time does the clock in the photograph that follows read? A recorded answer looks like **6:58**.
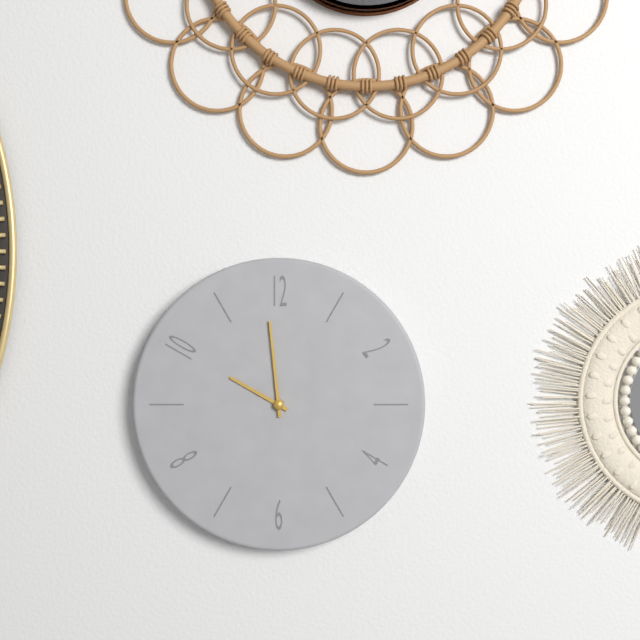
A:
**9:59**
